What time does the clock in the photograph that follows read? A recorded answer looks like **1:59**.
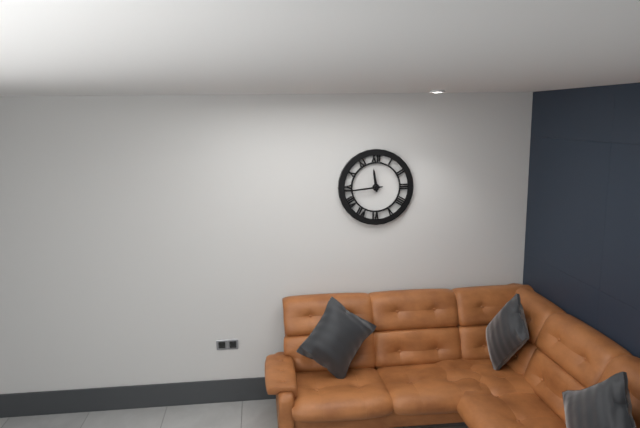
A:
**11:44**
